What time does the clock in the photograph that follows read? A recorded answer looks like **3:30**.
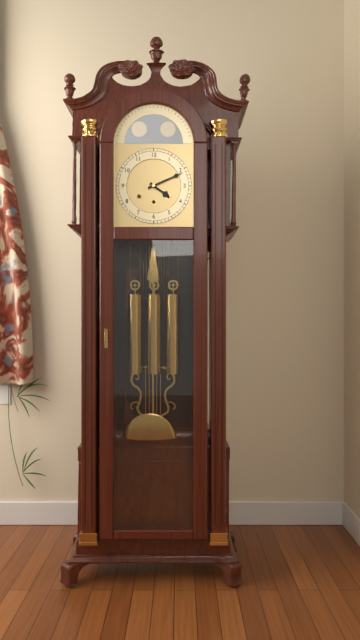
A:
**4:11**
